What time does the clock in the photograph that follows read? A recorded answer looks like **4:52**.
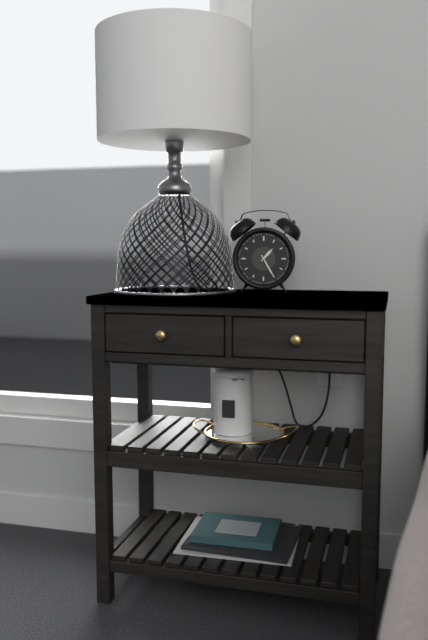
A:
**1:25**
